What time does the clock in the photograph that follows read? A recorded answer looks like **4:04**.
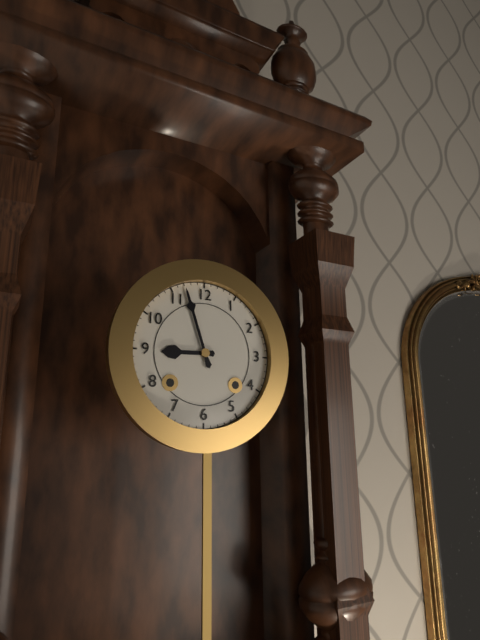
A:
**8:57**
